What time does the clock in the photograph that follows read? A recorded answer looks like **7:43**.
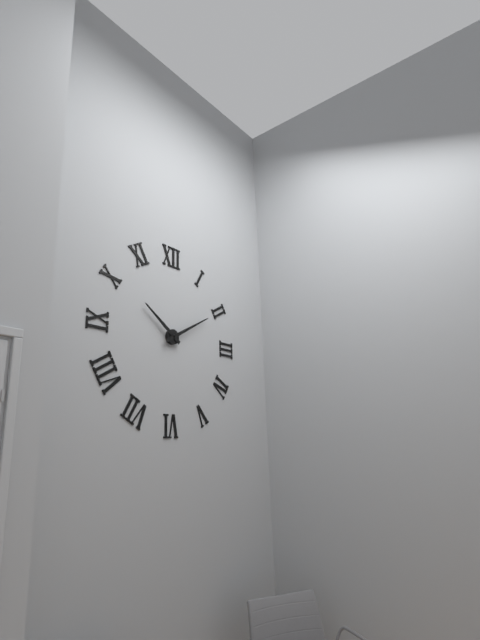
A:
**10:10**
